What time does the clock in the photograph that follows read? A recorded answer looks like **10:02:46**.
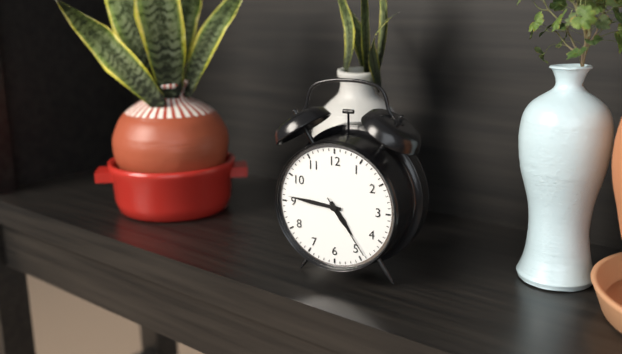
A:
**4:46:24**
